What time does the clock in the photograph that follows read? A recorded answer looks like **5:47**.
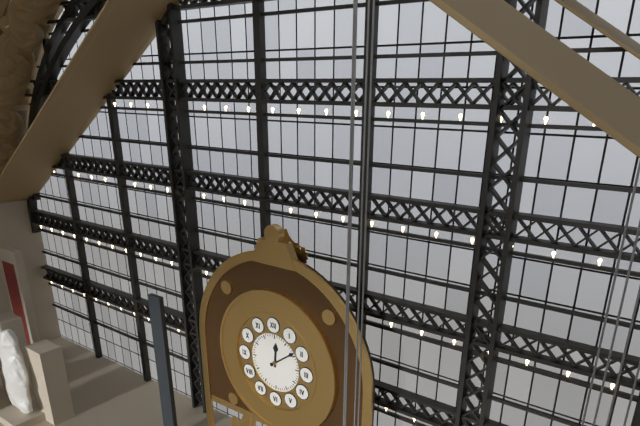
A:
**12:09**
